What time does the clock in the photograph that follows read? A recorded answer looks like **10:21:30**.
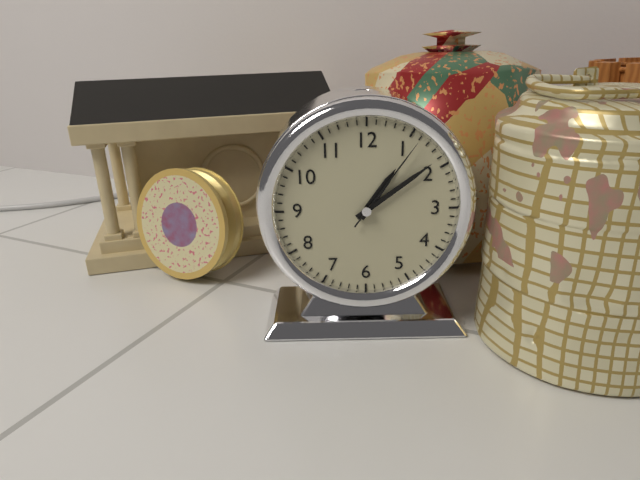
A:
**1:09:06**
